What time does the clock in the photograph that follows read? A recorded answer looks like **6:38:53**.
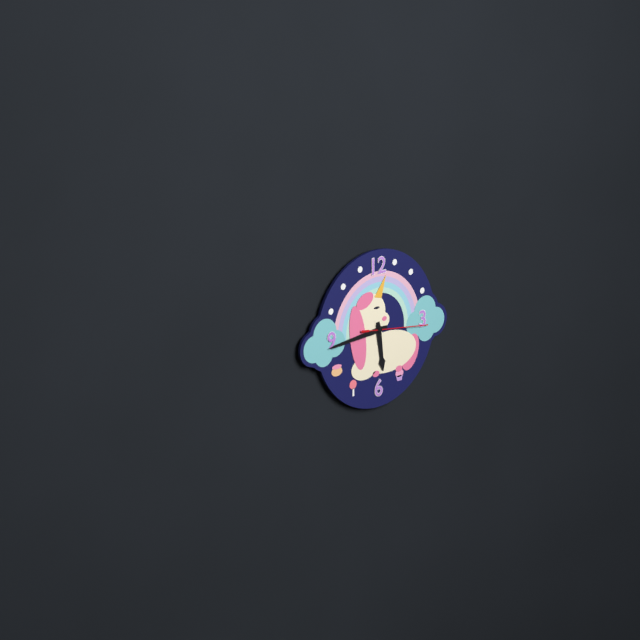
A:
**5:44:16**
